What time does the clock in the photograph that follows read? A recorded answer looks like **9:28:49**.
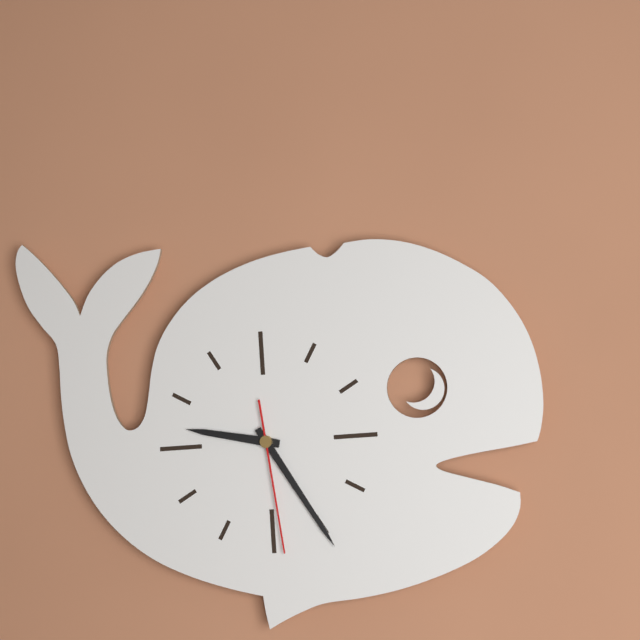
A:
**9:25:29**
